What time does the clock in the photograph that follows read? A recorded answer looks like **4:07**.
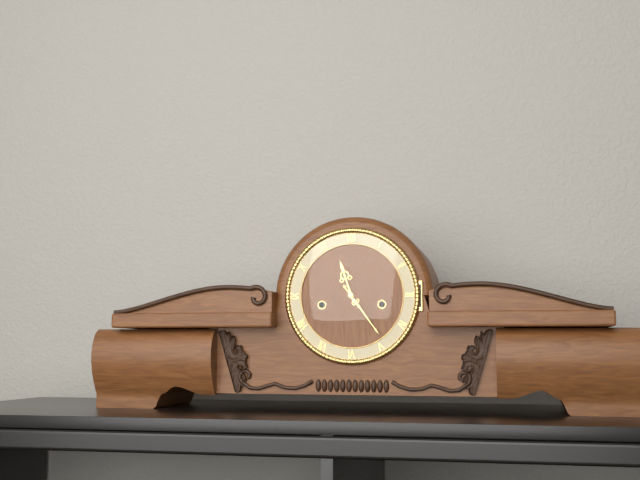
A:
**11:24**
